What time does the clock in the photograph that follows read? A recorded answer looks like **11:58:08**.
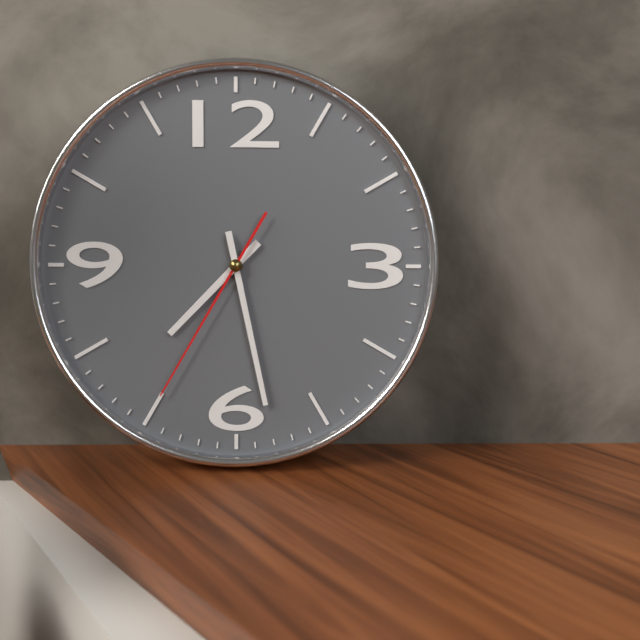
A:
**7:28:35**
